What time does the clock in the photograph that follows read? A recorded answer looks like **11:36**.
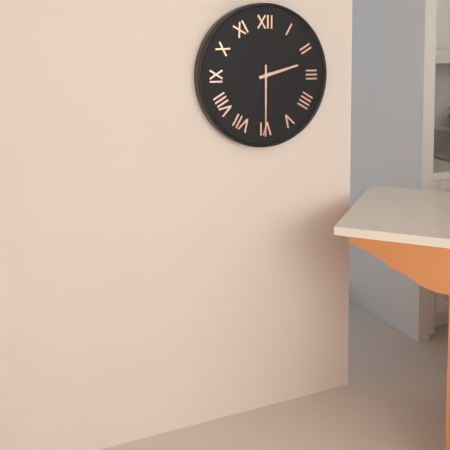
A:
**2:30**
